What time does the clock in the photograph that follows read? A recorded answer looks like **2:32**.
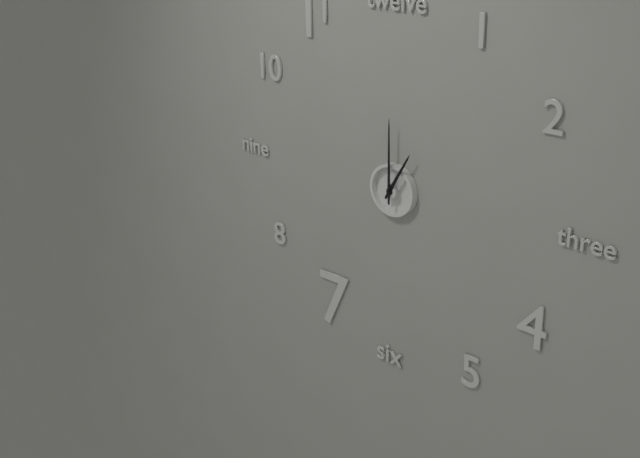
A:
**1:00**
